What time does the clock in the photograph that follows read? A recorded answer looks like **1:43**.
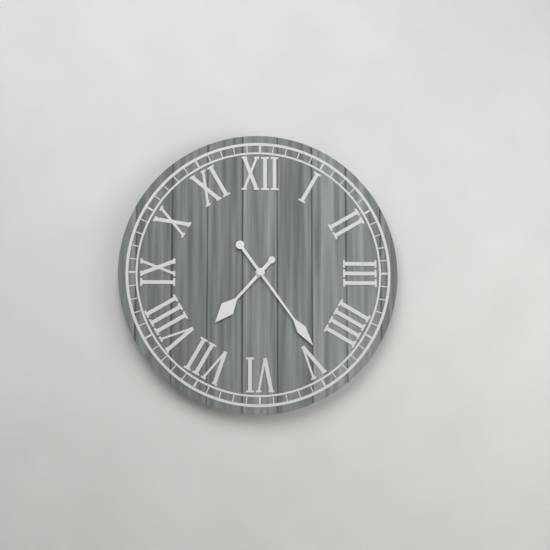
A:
**7:24**
